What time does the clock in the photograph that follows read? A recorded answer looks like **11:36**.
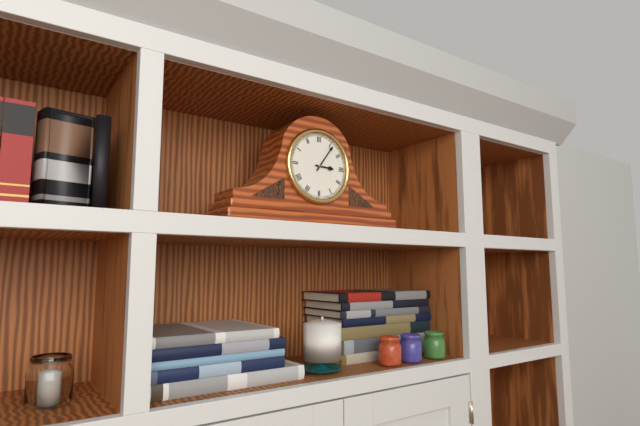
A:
**3:06**
